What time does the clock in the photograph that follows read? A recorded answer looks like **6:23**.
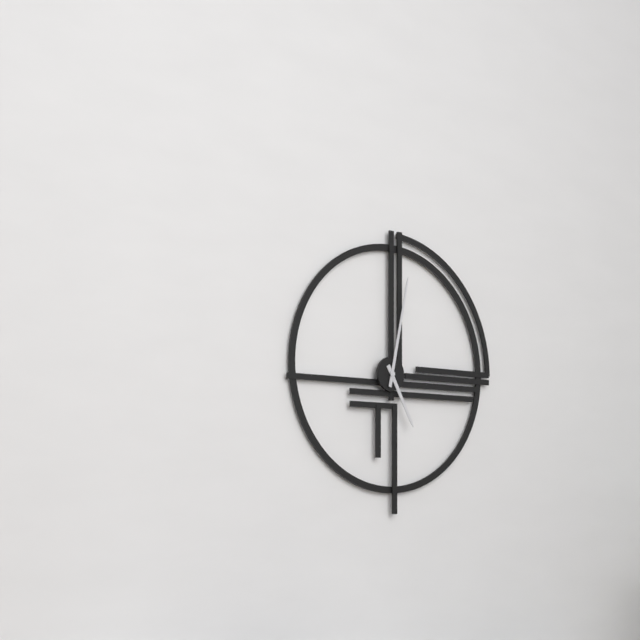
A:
**5:02**
